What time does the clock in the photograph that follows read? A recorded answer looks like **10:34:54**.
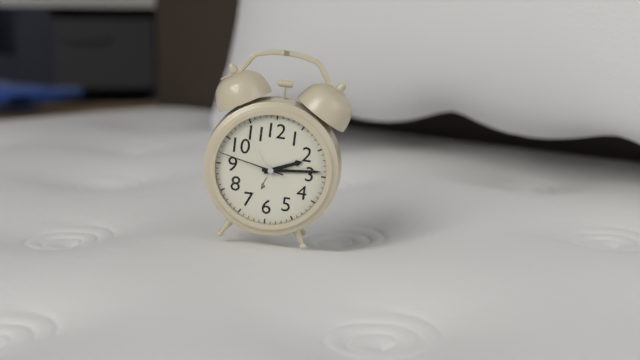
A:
**2:14:47**
